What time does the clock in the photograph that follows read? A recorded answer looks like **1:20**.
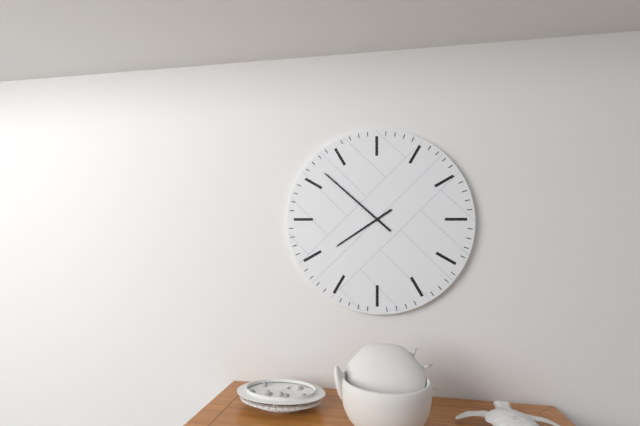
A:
**7:52**
